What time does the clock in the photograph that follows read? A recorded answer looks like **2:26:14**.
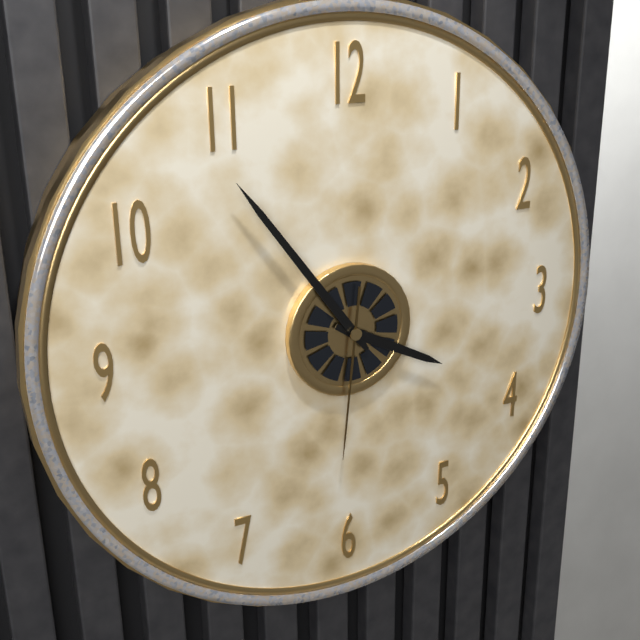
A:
**3:54:31**
